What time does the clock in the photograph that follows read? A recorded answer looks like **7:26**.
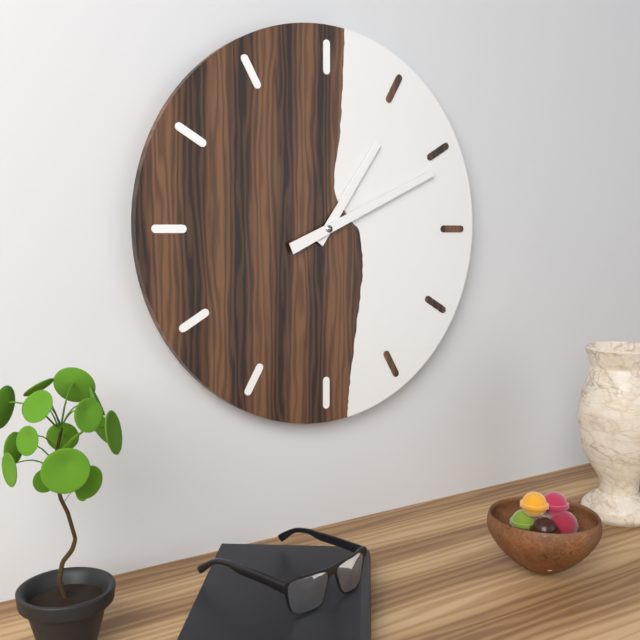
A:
**1:11**
